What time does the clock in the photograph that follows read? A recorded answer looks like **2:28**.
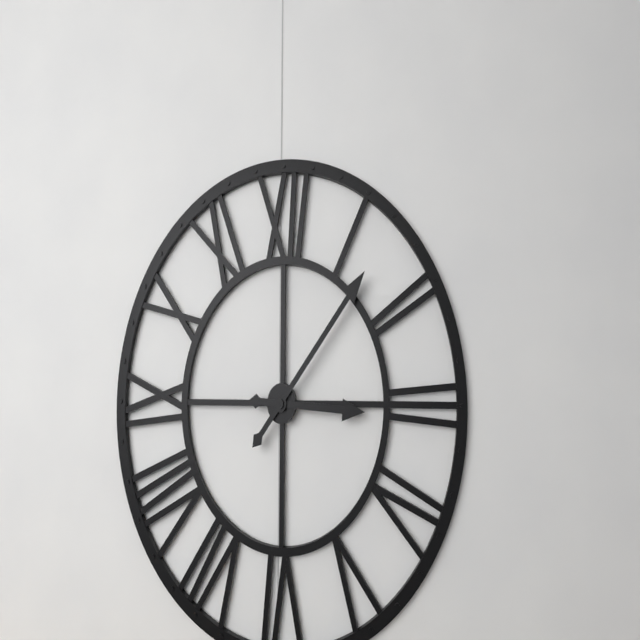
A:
**3:07**
